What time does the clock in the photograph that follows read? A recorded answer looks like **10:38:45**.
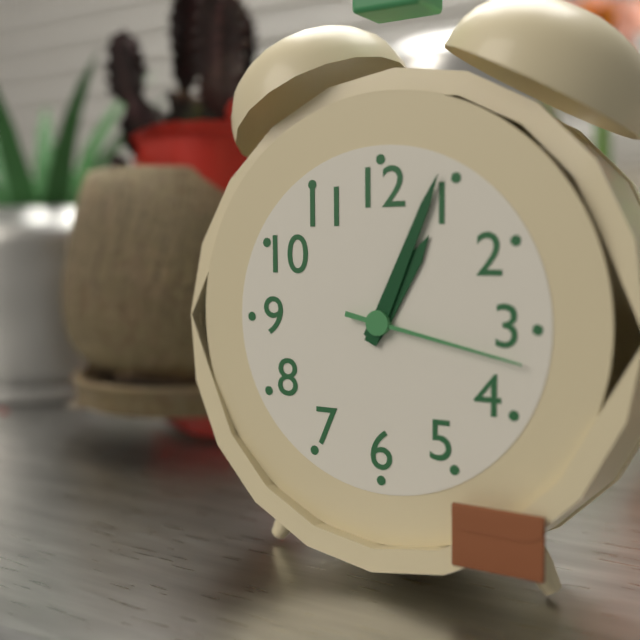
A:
**1:04:17**
